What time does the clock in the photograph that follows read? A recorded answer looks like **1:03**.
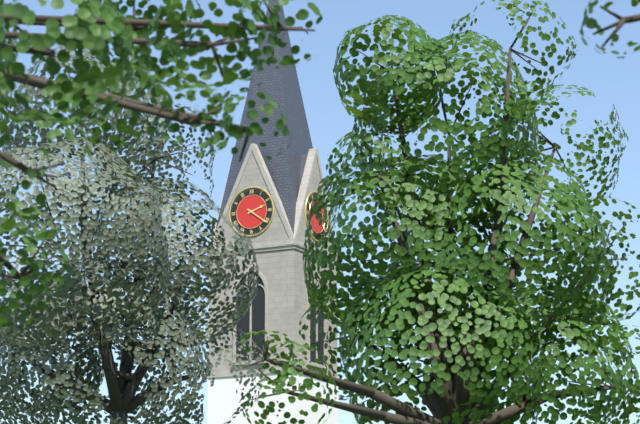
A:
**2:21**
